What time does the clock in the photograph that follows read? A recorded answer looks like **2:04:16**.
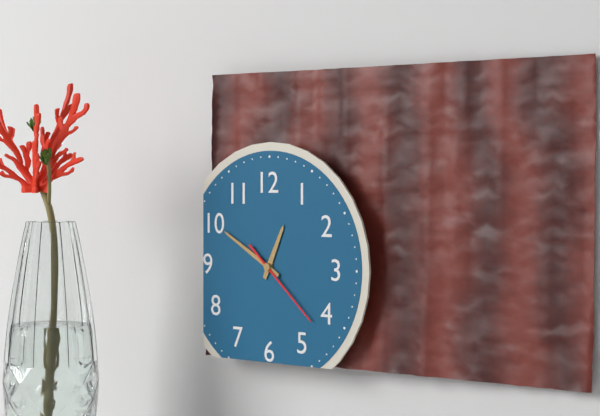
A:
**12:50:22**
